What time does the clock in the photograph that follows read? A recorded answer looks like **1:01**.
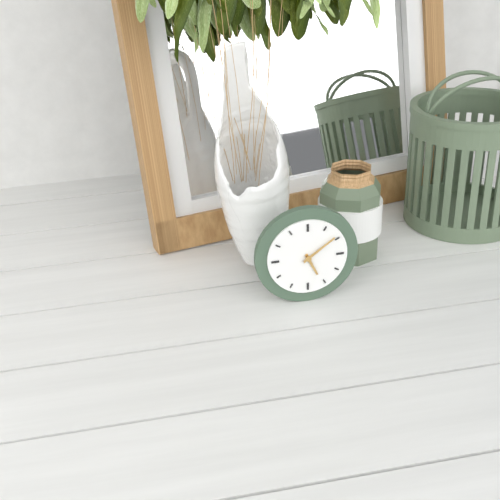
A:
**5:09**
